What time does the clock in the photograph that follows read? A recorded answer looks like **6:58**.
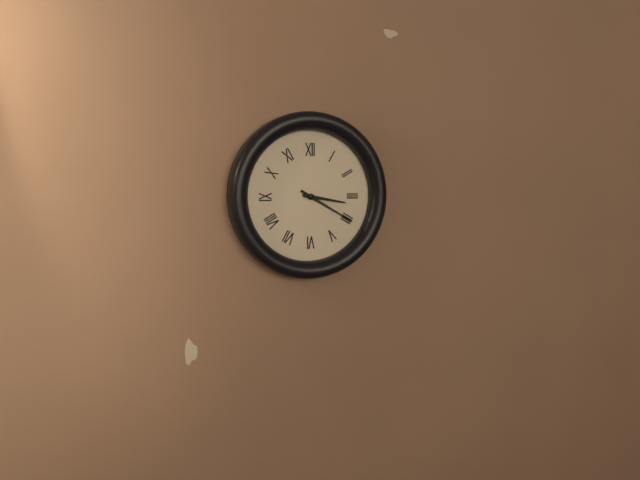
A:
**3:20**
